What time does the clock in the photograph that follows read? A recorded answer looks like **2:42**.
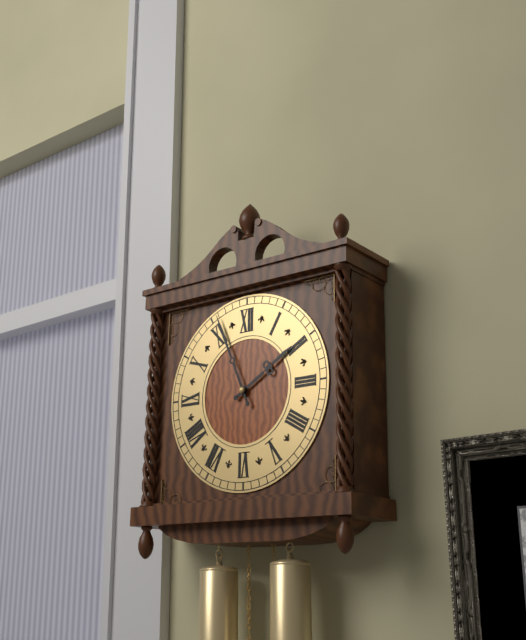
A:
**1:56**
